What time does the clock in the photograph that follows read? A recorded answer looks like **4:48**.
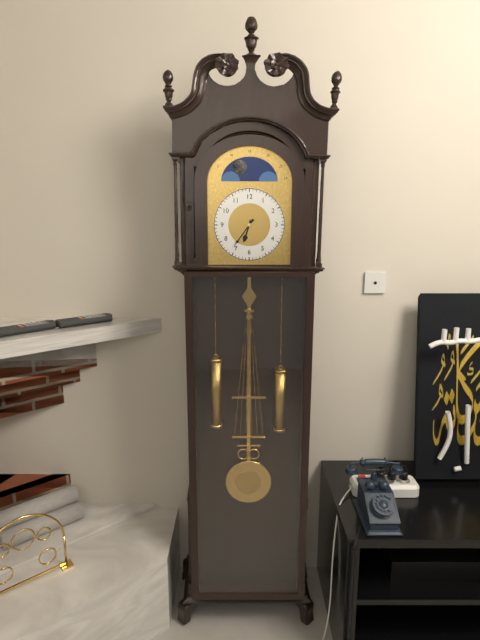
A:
**6:36**
